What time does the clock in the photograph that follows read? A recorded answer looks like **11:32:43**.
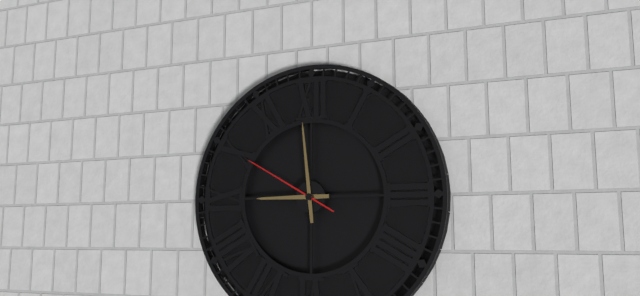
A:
**8:59:50**
